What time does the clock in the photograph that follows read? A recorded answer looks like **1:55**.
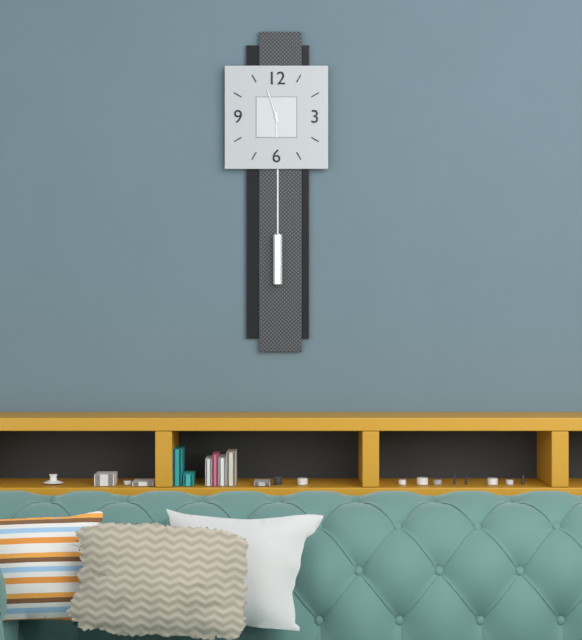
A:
**5:57**
